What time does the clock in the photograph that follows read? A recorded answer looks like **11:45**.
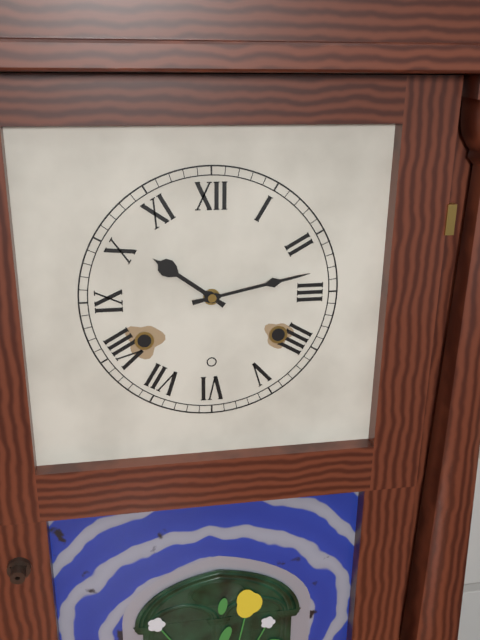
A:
**10:13**
